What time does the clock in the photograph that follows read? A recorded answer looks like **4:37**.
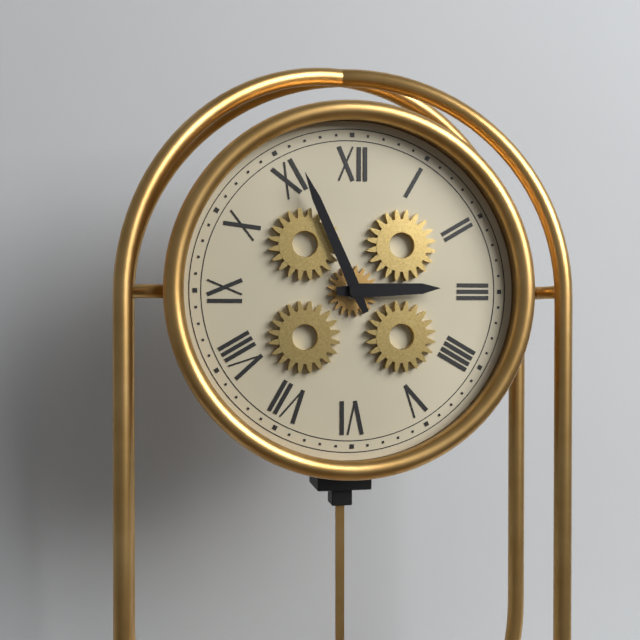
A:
**2:56**
